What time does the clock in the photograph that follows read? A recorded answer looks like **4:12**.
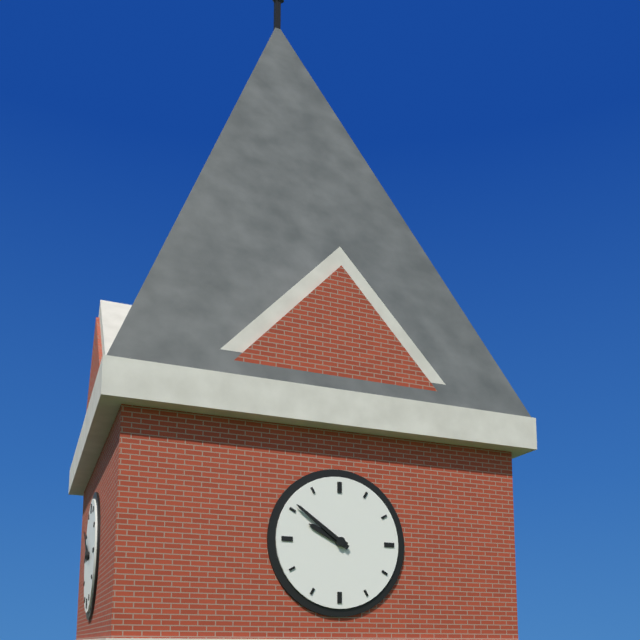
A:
**9:51**
